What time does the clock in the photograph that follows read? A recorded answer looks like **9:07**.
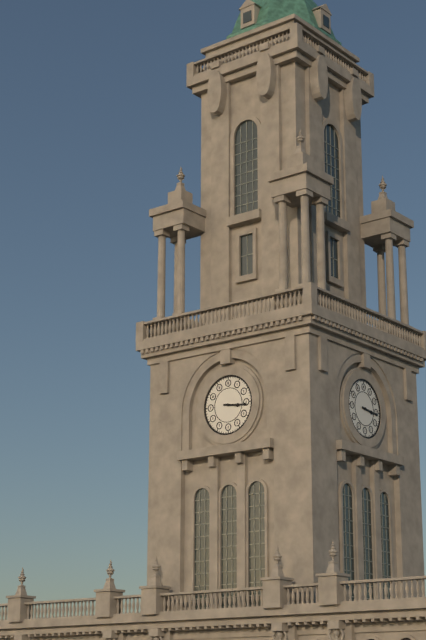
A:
**3:16**
